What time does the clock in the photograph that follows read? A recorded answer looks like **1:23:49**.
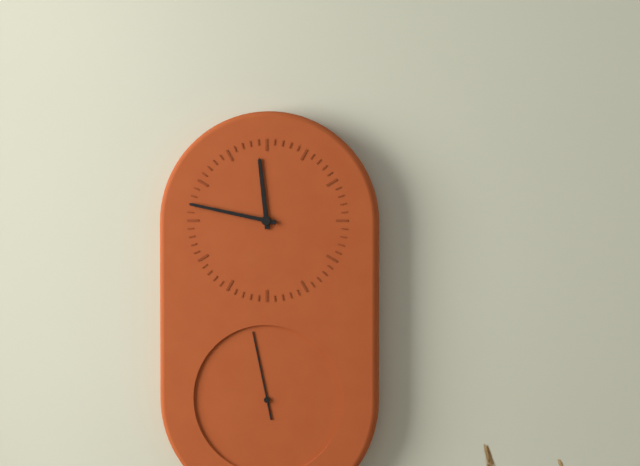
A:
**11:47:58**
